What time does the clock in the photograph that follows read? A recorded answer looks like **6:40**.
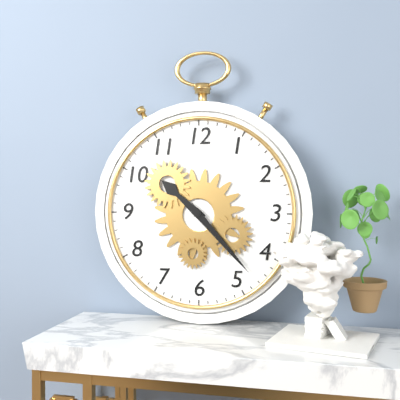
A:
**10:23**
